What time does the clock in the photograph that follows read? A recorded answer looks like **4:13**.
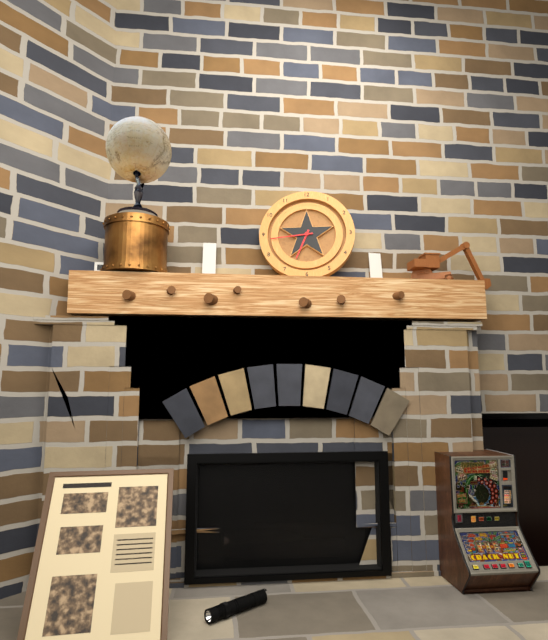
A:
**6:44**
